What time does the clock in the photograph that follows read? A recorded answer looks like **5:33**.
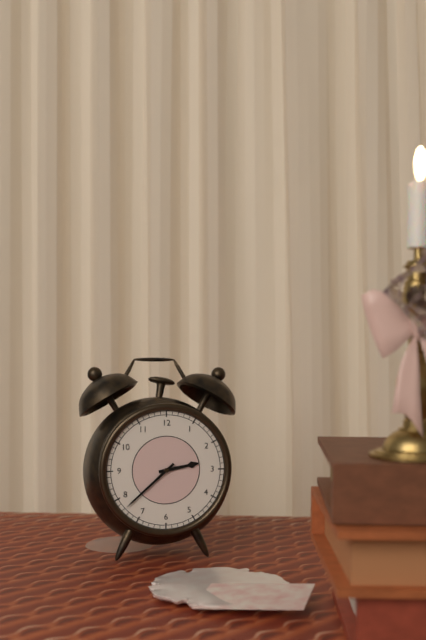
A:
**2:38**
